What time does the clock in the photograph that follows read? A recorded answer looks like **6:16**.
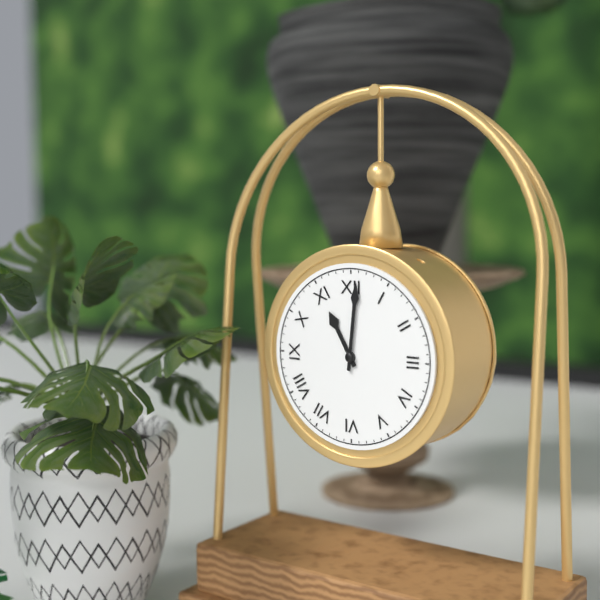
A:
**11:01**
